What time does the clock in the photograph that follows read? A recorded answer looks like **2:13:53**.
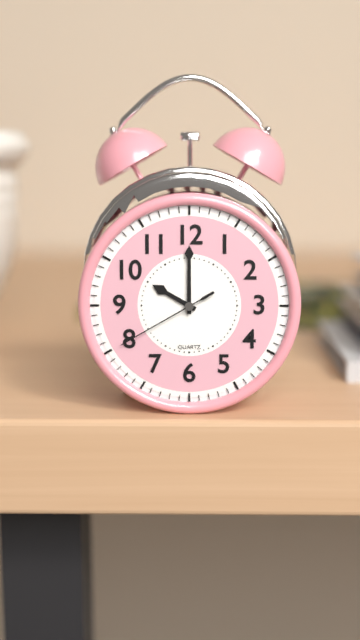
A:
**10:00:40**
